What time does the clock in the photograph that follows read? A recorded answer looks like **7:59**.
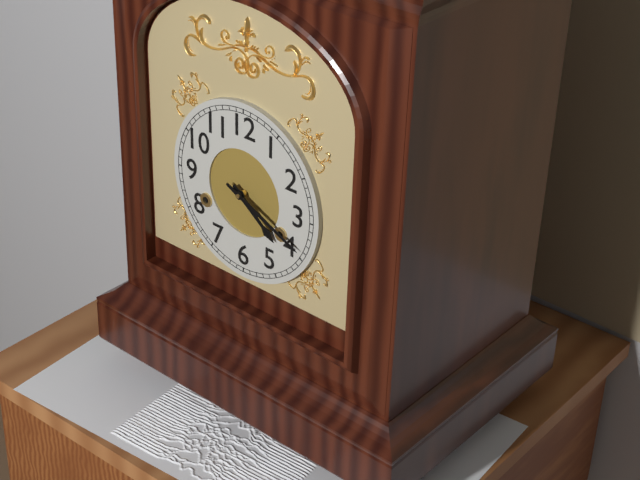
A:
**4:19**
